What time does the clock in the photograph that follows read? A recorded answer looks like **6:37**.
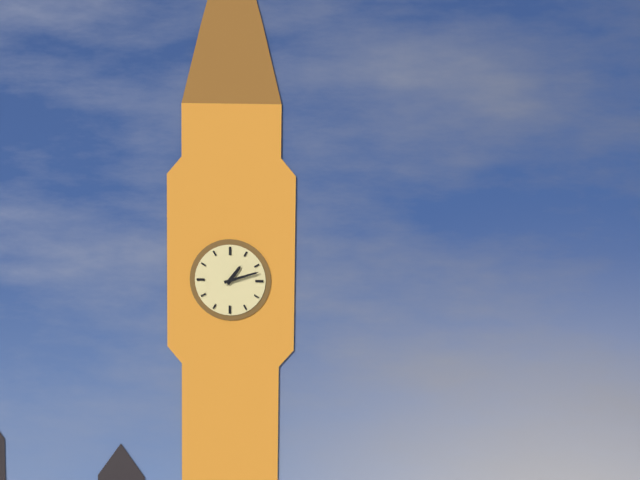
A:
**1:12**
